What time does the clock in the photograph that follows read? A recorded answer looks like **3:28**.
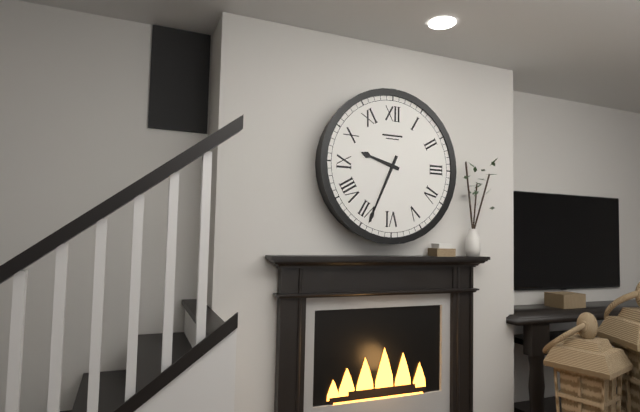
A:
**9:34**
